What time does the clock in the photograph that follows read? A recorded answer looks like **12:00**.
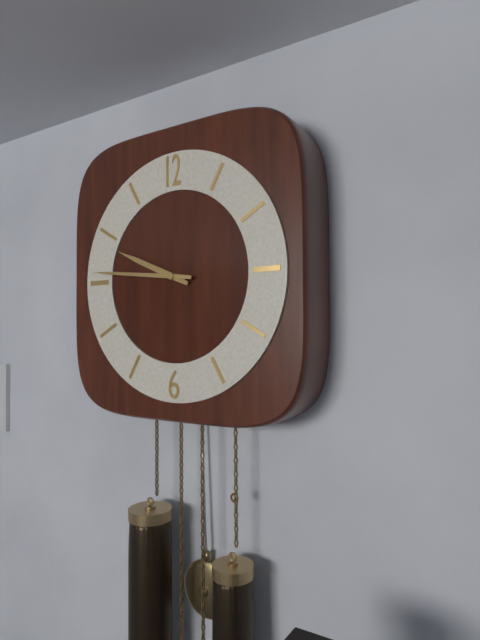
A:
**9:46**
